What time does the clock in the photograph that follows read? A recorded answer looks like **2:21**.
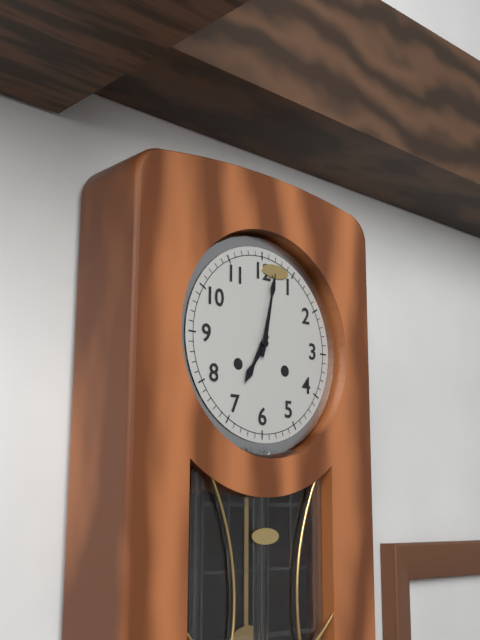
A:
**7:02**
